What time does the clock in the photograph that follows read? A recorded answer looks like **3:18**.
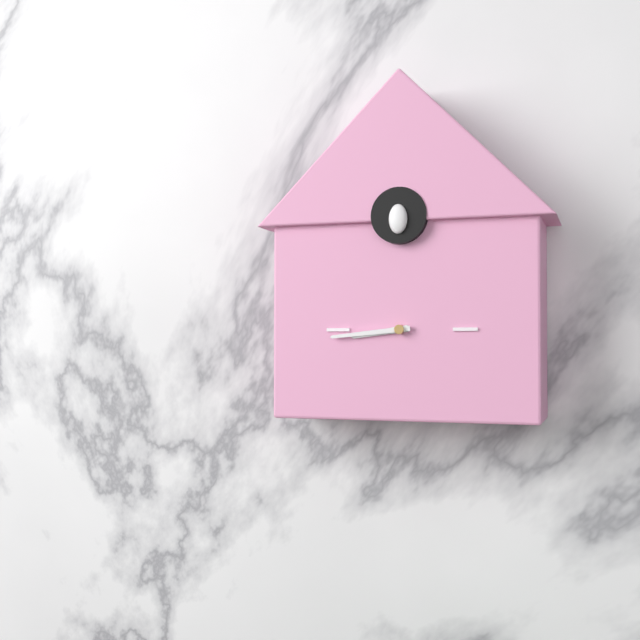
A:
**8:44**
